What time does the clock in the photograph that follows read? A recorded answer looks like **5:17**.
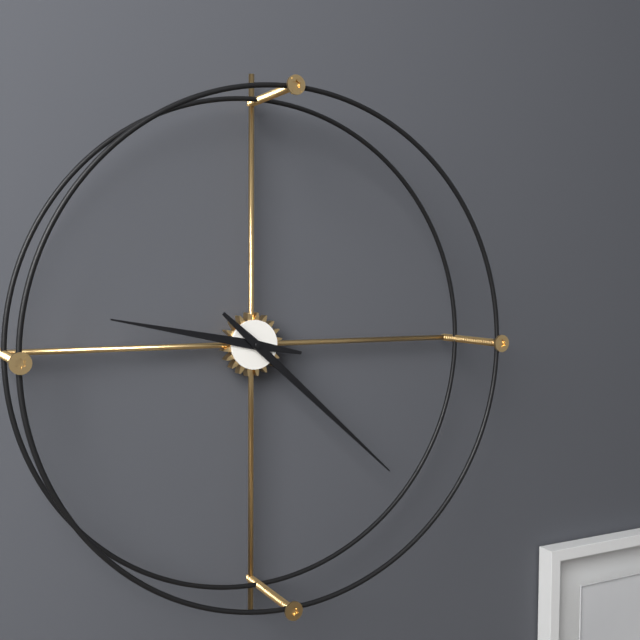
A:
**9:22**
